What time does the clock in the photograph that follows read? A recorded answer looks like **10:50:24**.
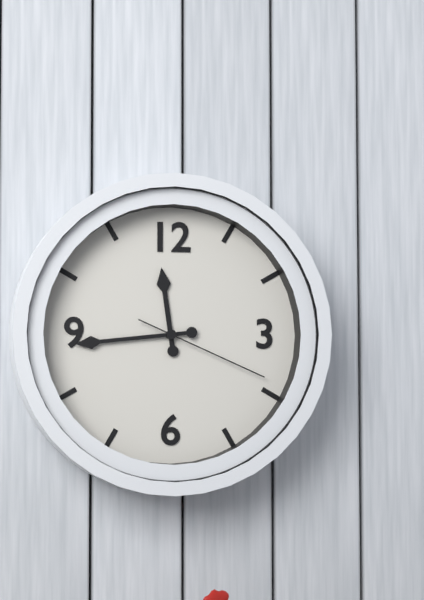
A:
**11:44:19**
